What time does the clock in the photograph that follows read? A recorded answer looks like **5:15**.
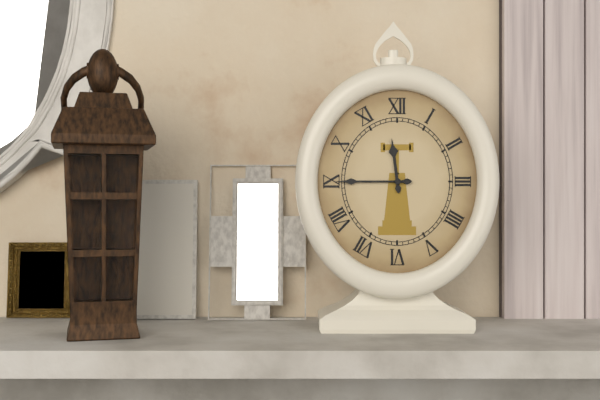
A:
**11:45**
